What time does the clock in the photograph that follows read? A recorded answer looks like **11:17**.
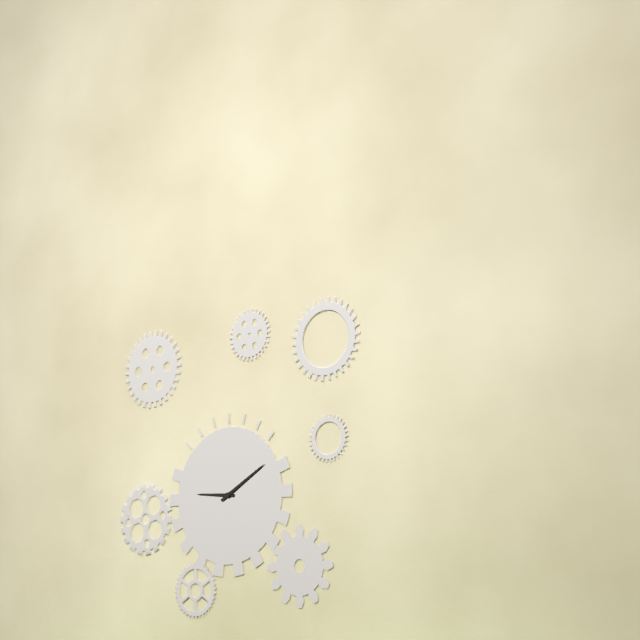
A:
**9:10**
